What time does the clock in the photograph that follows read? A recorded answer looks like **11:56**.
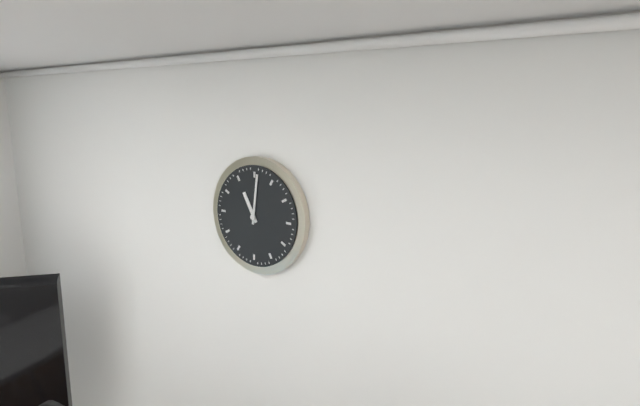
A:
**11:01**
